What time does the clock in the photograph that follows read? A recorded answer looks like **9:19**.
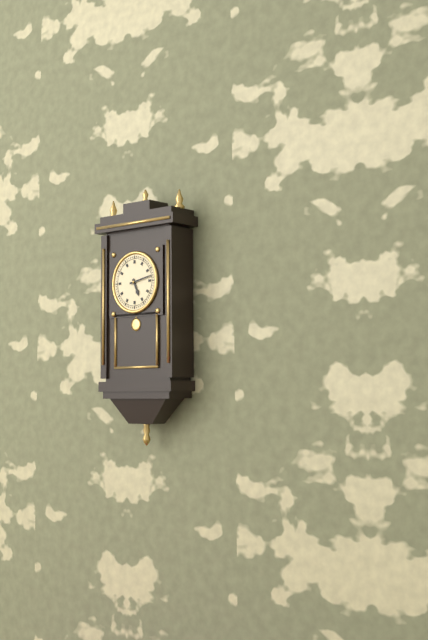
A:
**5:13**
